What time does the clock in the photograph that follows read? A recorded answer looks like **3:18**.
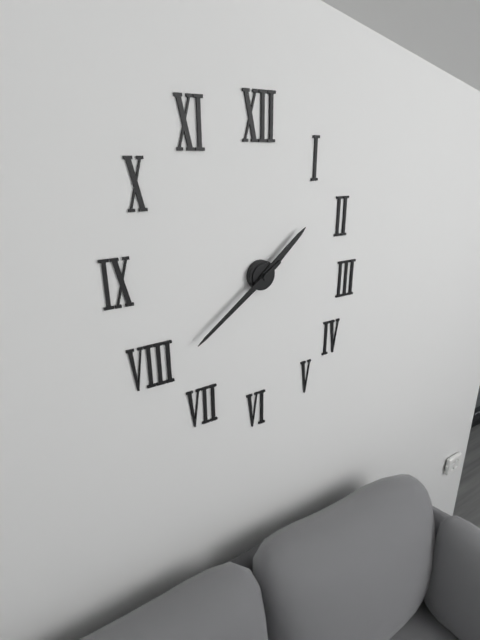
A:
**1:39**
